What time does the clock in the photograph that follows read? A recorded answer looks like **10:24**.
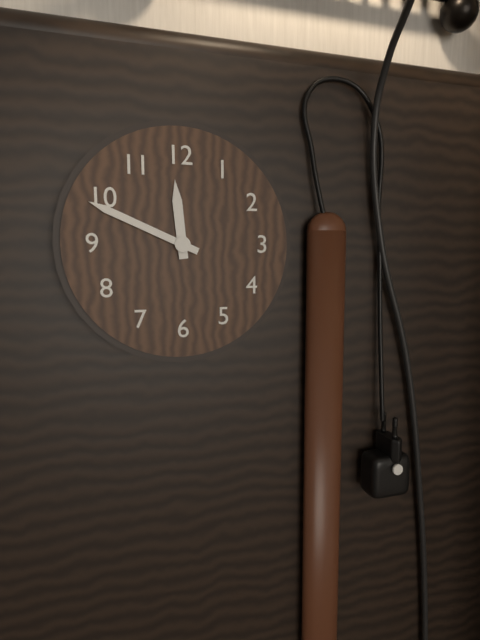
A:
**11:49**
